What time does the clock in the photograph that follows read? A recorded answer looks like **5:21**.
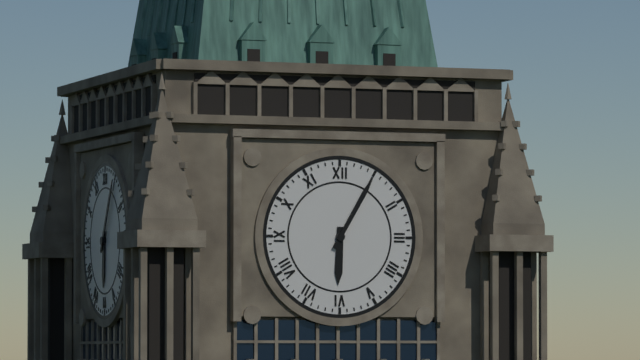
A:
**6:05**
